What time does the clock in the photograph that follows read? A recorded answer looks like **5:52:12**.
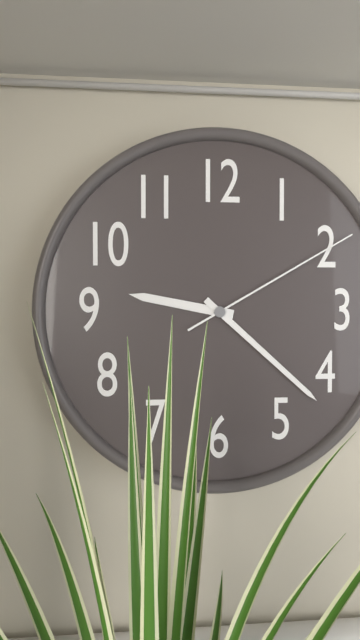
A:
**9:22:10**
